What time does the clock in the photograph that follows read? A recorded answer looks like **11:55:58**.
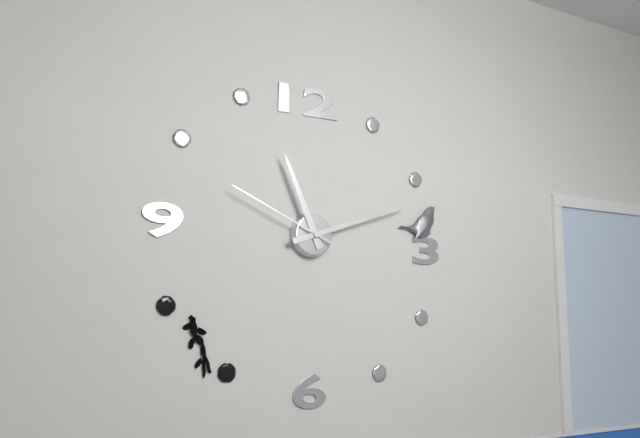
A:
**11:12:49**
